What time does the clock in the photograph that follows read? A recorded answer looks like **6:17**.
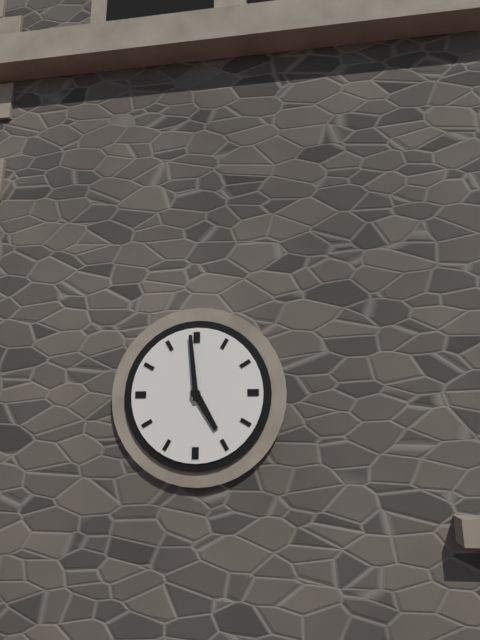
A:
**4:59**
